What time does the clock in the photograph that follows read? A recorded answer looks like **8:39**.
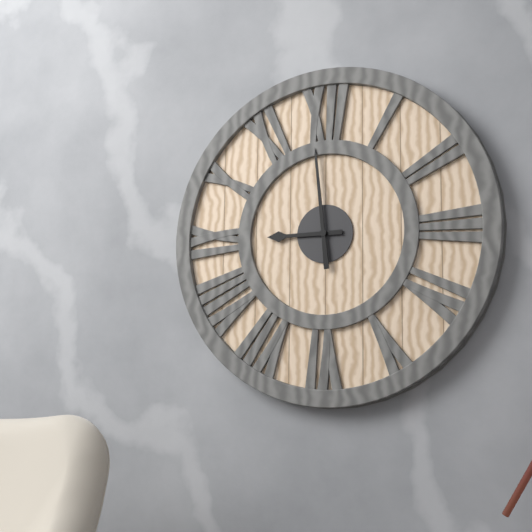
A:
**8:59**
